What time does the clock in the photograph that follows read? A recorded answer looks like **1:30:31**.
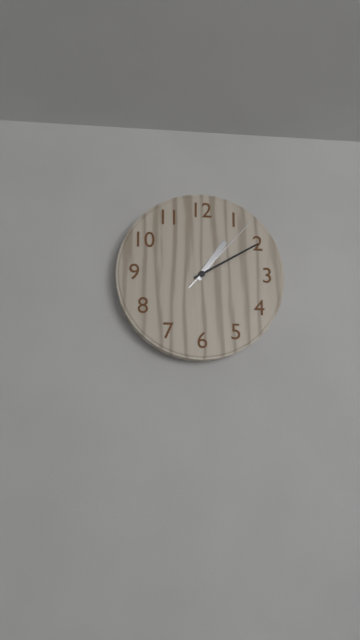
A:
**1:10:07**
